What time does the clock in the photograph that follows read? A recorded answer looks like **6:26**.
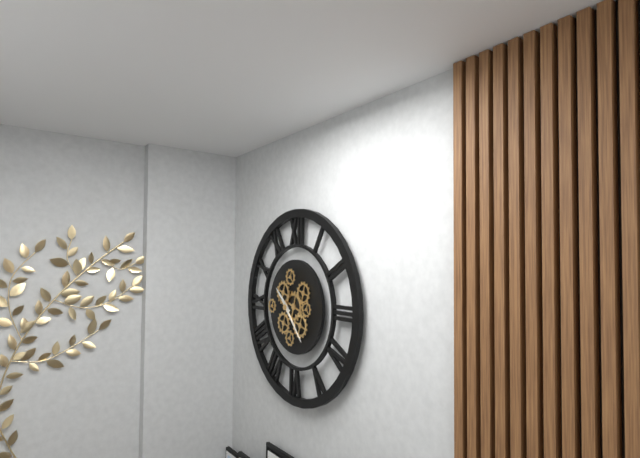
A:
**10:23**
